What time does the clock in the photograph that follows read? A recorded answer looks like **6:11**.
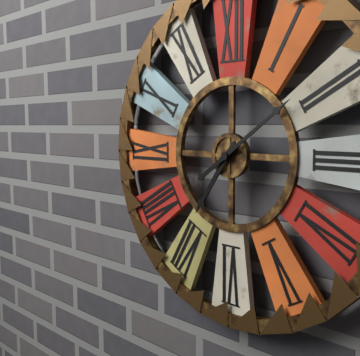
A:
**7:09**
